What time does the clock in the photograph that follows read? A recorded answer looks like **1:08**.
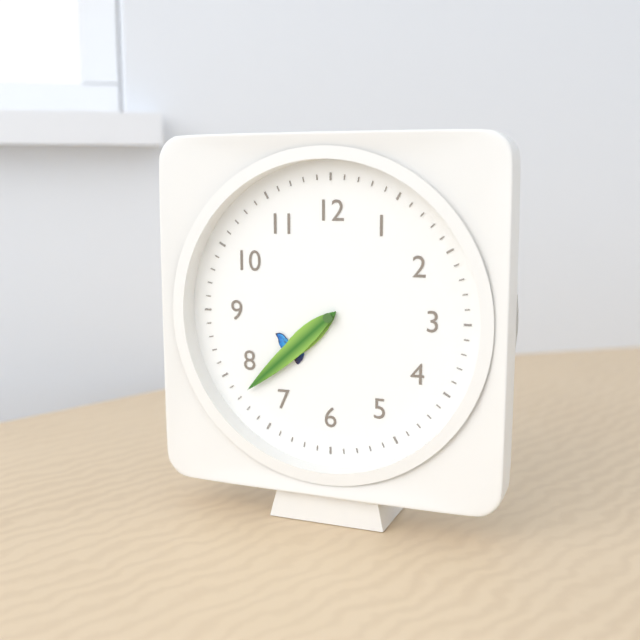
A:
**7:38**
